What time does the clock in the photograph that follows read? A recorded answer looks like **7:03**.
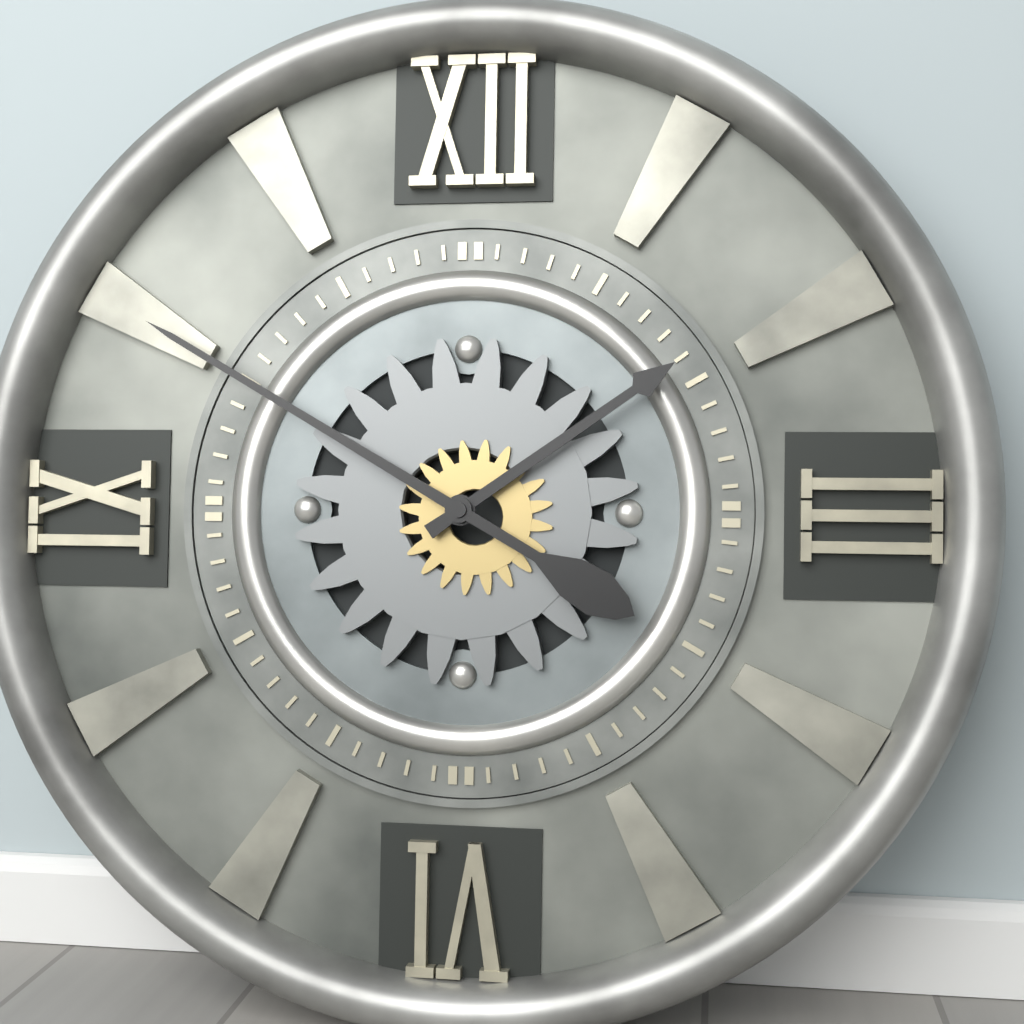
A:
**1:50**
